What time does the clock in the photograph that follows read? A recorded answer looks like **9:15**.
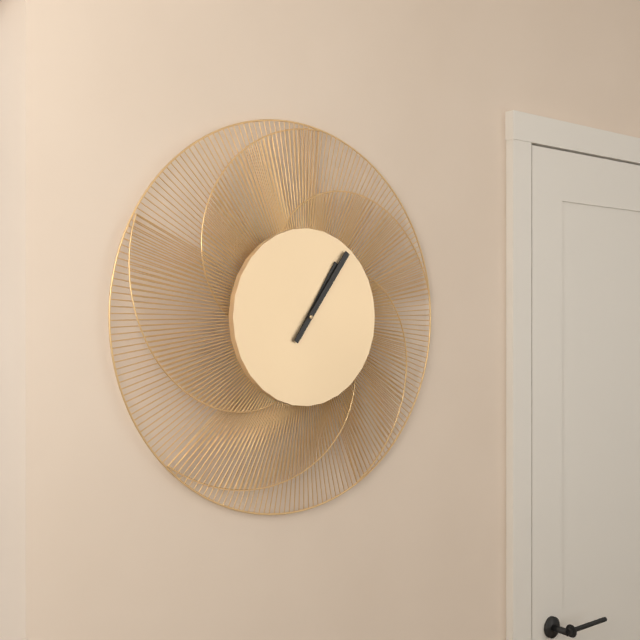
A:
**1:06**
